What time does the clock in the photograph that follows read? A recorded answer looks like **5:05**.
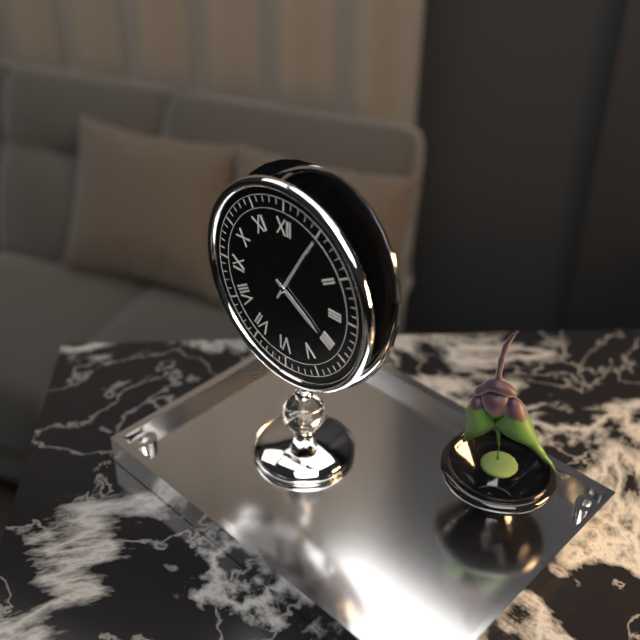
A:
**4:05**
